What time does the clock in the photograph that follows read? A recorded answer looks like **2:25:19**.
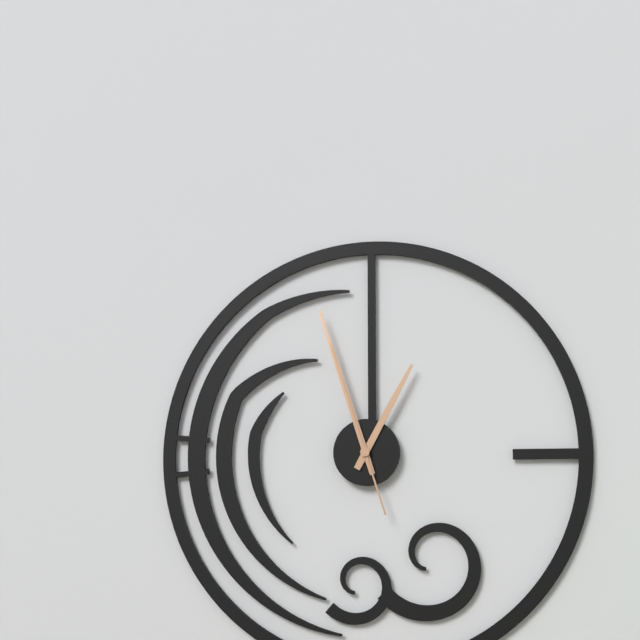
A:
**12:57:57**
